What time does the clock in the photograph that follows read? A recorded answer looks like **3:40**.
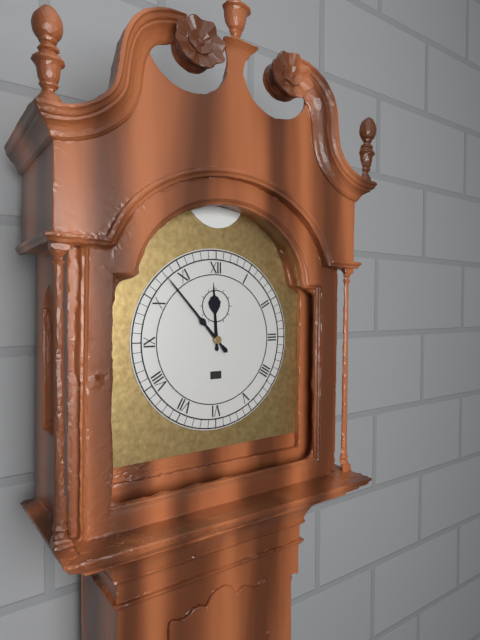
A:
**11:53**
